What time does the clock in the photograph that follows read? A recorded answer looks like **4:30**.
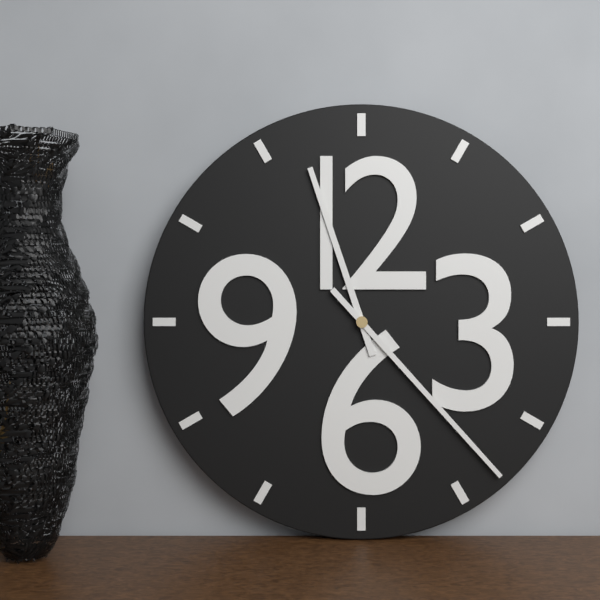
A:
**11:23**
